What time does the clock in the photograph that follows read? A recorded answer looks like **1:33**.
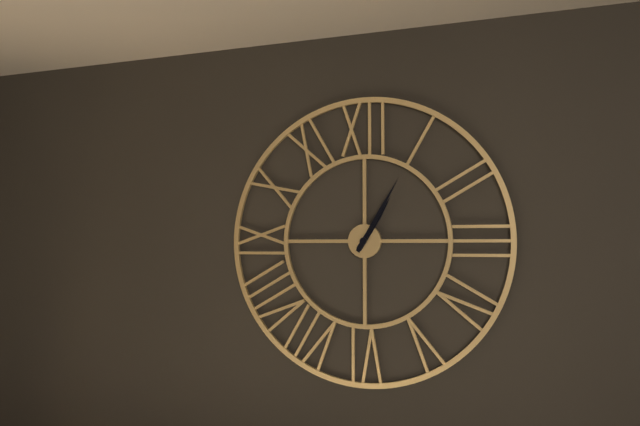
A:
**1:05**
